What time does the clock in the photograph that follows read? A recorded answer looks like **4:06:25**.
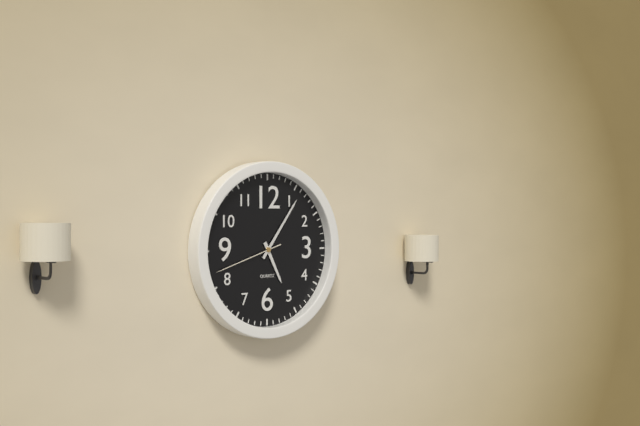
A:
**5:06:42**
